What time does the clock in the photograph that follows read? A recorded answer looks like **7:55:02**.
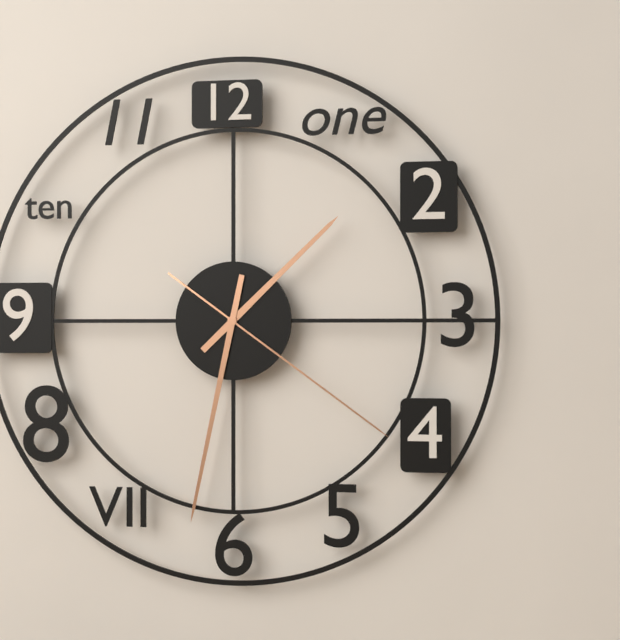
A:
**1:32:21**
